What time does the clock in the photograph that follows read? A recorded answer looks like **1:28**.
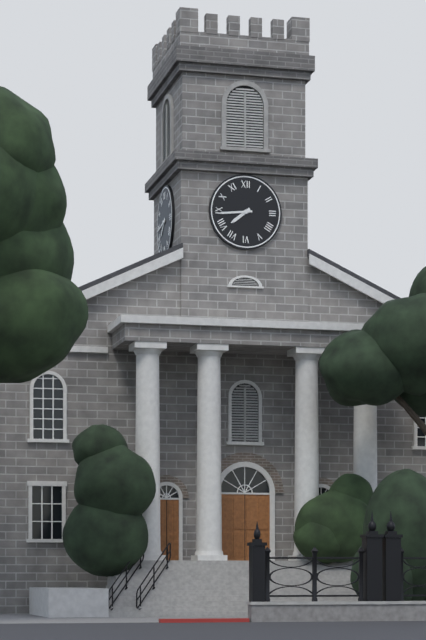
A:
**7:44**
